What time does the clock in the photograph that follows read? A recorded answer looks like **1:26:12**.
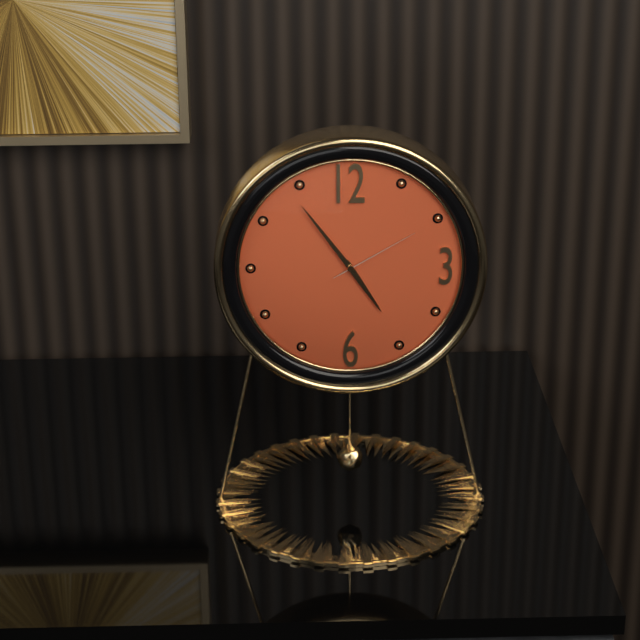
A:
**4:54:10**
